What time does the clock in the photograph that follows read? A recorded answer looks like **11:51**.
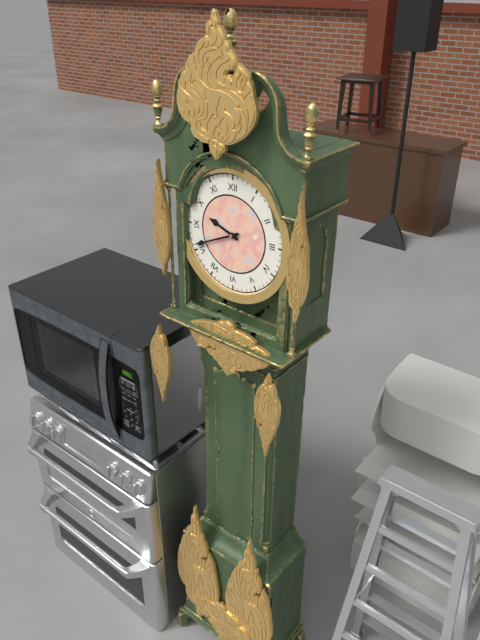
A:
**9:41**
